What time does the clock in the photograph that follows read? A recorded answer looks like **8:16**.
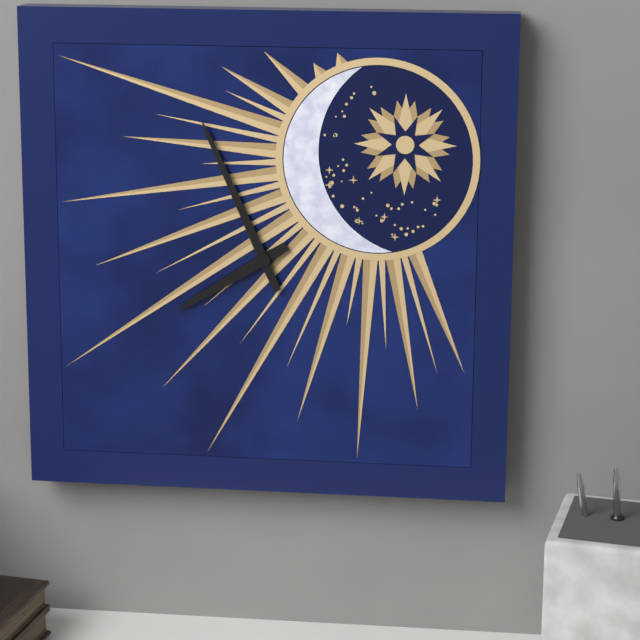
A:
**7:56**
